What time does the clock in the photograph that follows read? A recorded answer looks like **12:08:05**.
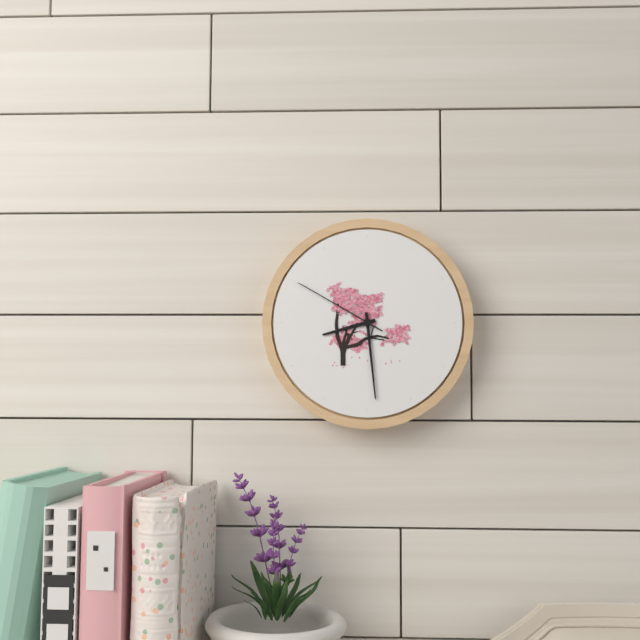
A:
**8:29:50**
